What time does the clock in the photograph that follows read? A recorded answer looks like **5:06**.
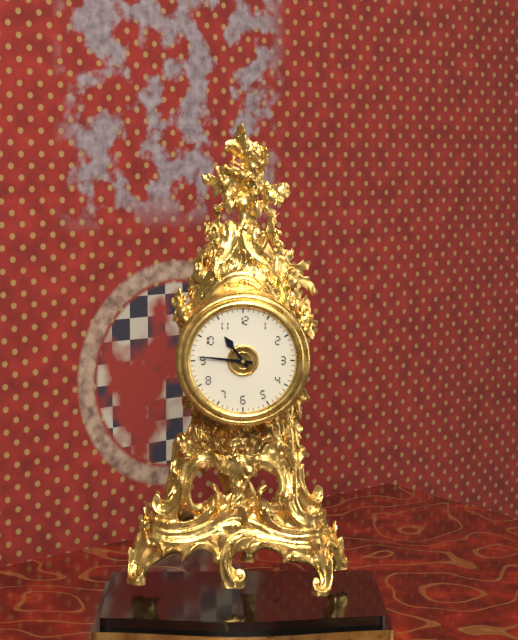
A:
**10:46**
